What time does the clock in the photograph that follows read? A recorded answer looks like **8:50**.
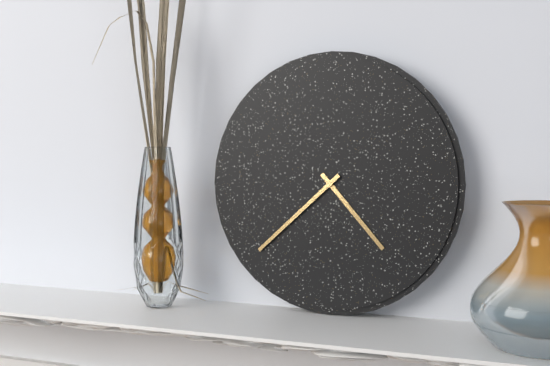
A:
**4:38**
